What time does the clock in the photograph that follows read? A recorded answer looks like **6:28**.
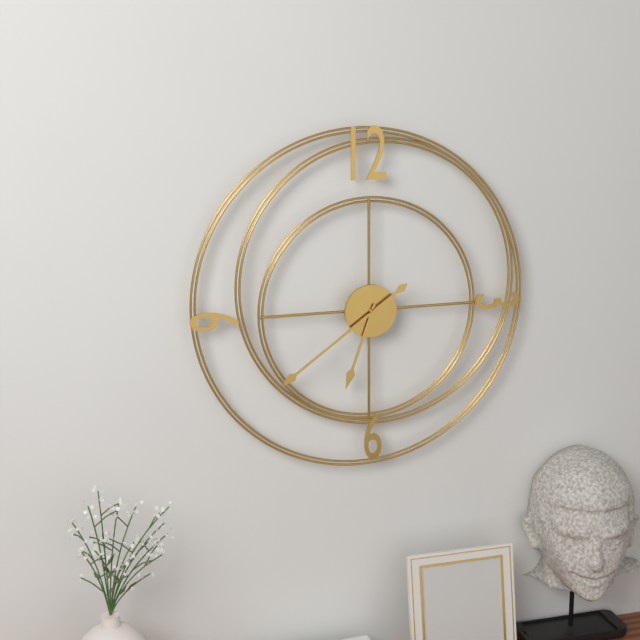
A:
**6:39**
